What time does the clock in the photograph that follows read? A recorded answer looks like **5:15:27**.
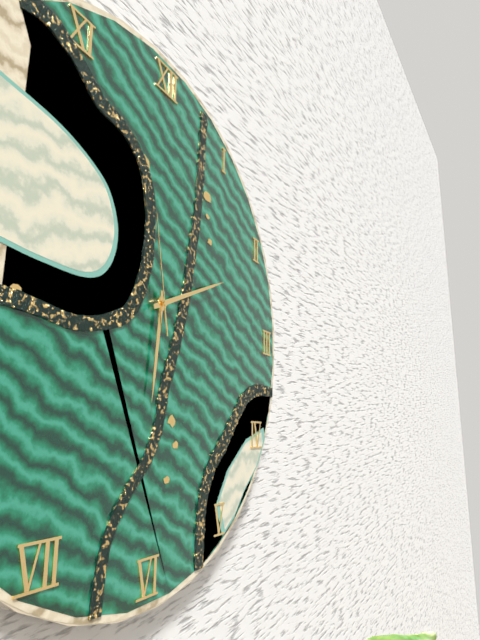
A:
**6:11:58**
